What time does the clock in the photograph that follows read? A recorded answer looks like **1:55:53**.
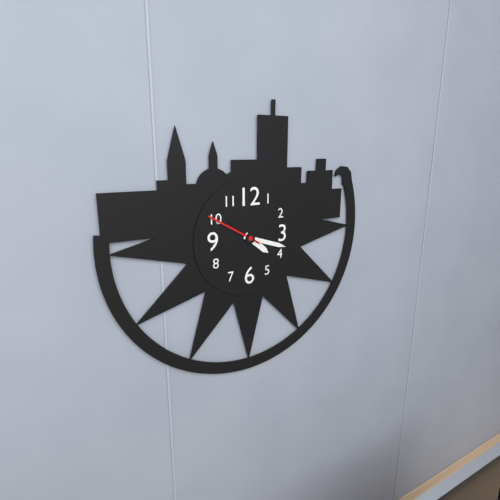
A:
**4:18:50**
